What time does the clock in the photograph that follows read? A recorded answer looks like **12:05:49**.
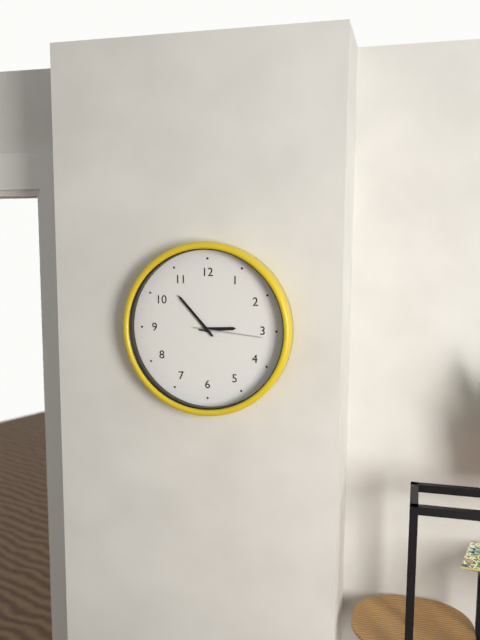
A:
**2:53:16**
